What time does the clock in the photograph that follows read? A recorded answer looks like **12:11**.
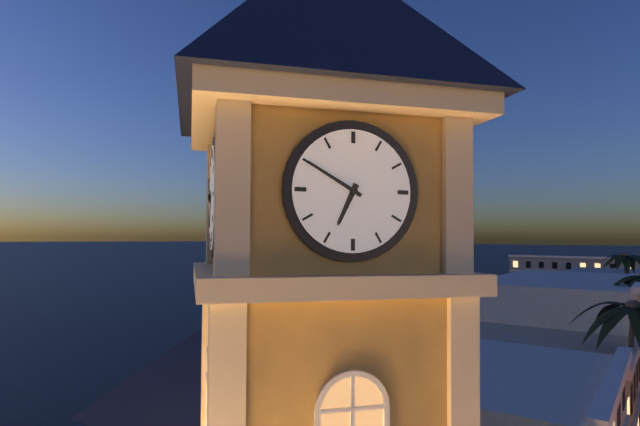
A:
**6:50**
